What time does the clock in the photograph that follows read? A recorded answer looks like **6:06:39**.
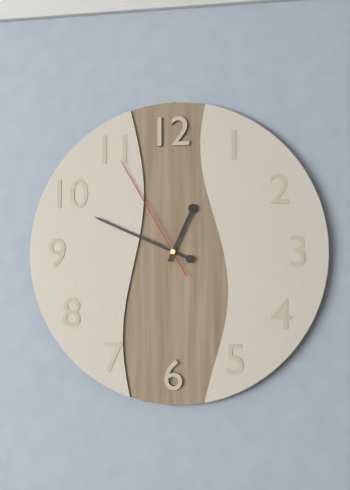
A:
**12:49:55**
